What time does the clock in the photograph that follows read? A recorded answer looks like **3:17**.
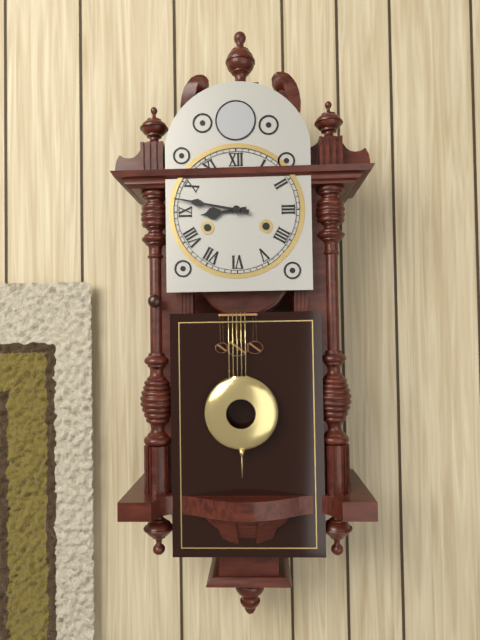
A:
**8:47**
